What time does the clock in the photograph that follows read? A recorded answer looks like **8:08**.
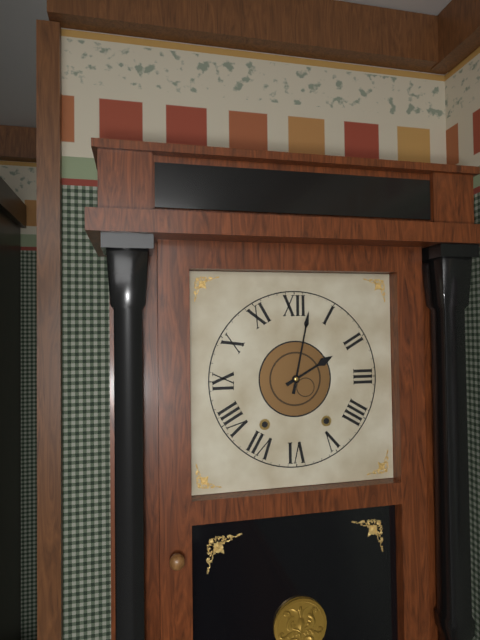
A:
**2:02**
